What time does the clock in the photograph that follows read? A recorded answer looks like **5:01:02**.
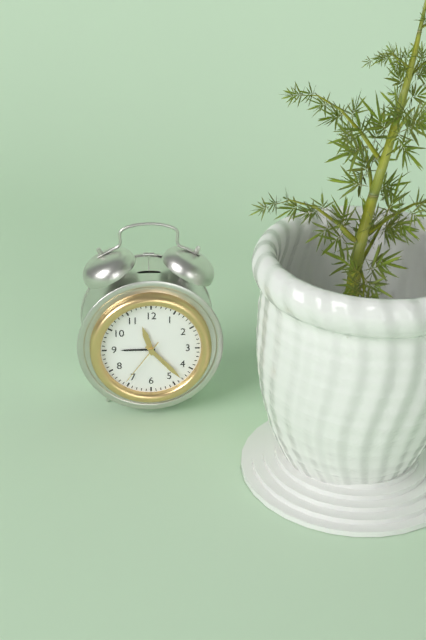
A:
**11:23:36**
